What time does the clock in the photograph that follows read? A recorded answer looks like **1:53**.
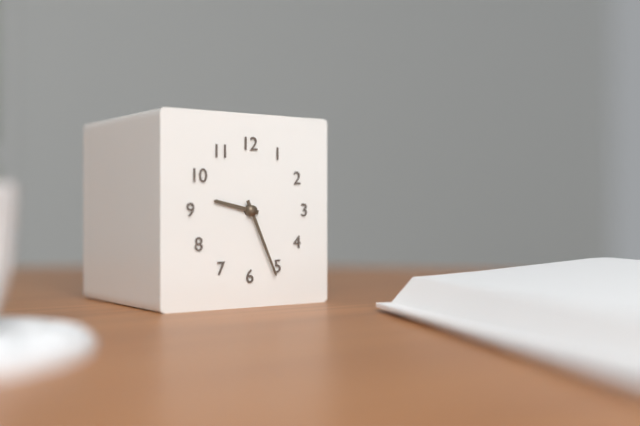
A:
**9:26**
